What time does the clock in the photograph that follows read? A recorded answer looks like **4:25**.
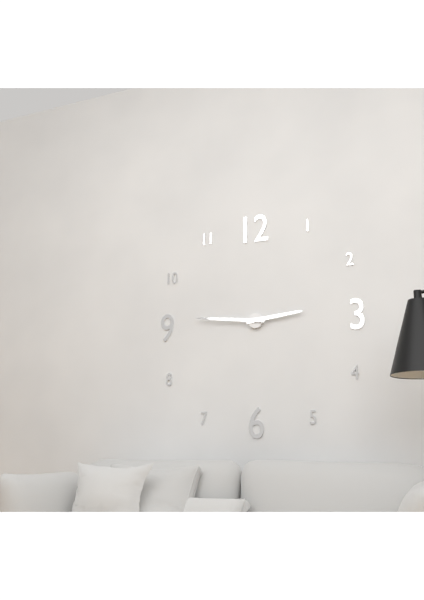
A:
**2:46**
